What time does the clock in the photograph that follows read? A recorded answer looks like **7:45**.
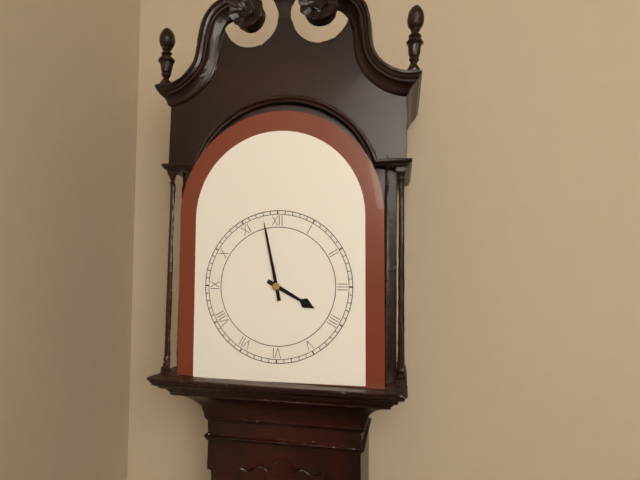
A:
**3:58**
